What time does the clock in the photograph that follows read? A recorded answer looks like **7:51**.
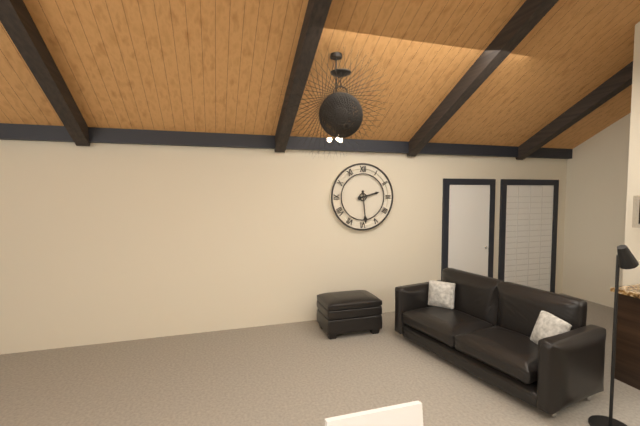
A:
**2:29**
